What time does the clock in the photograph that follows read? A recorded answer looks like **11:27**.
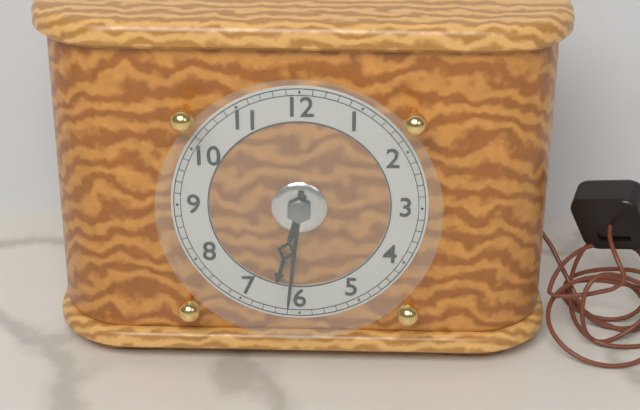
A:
**6:31**
